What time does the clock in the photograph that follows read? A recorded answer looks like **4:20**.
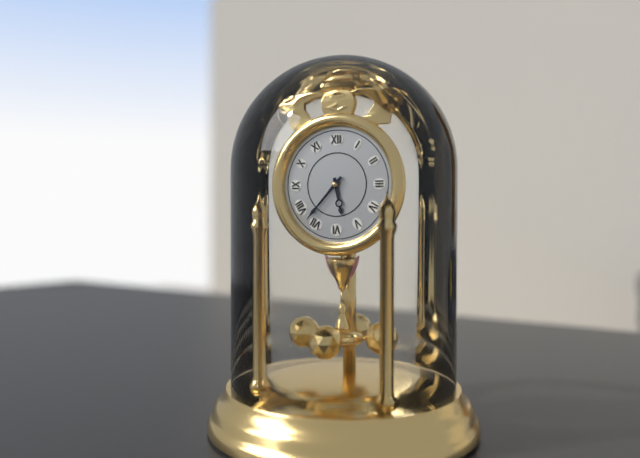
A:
**5:37**
